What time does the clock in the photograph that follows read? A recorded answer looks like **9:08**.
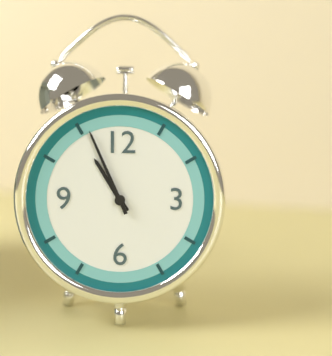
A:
**10:56**
